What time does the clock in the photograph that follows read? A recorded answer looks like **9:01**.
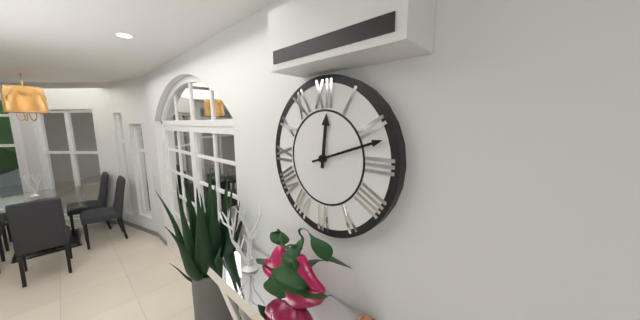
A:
**12:12**
